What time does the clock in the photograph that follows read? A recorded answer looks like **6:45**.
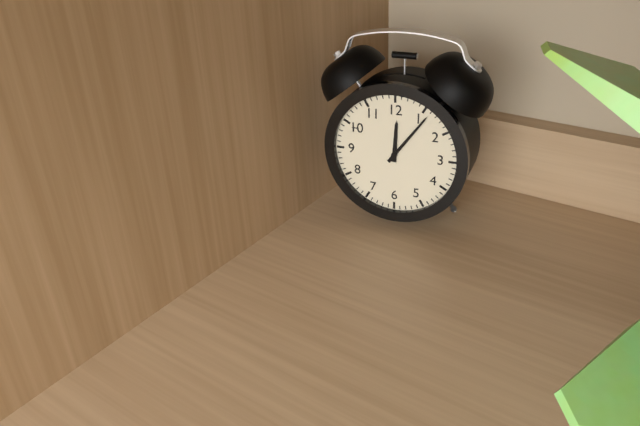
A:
**12:06**
